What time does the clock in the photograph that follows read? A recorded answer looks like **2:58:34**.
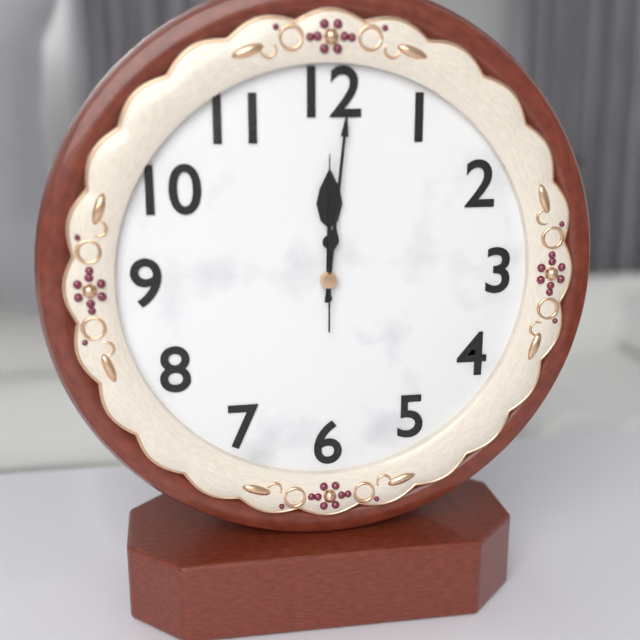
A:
**12:01:00**
